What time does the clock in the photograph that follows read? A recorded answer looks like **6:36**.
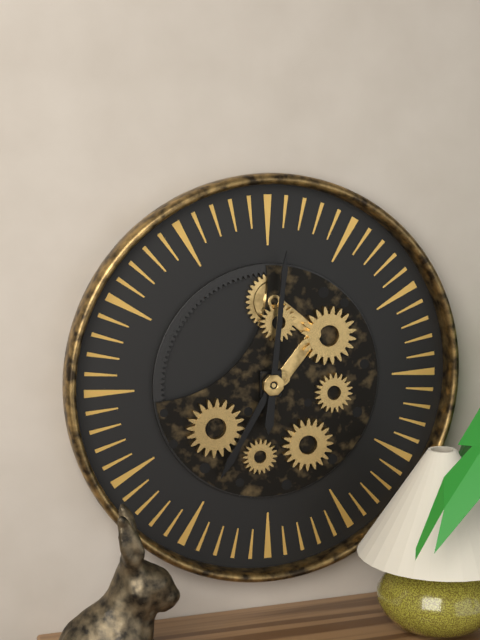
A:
**7:01**
